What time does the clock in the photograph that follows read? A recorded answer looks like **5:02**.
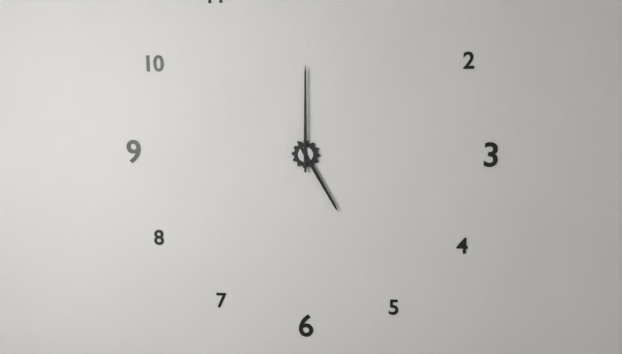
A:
**5:00**
